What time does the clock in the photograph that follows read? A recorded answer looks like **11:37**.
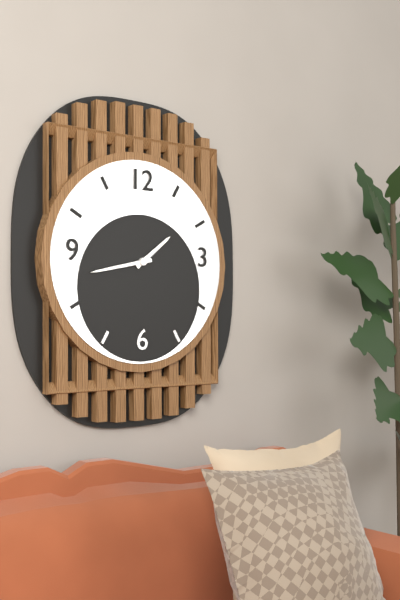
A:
**1:43**
